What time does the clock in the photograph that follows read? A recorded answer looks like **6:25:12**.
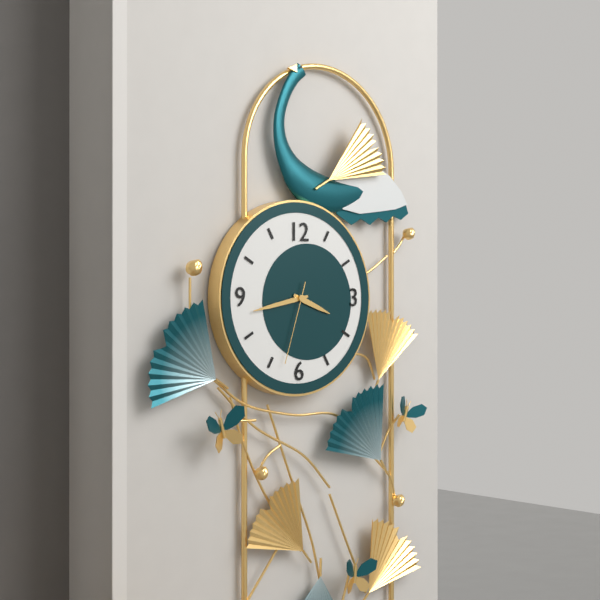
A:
**3:43:33**
